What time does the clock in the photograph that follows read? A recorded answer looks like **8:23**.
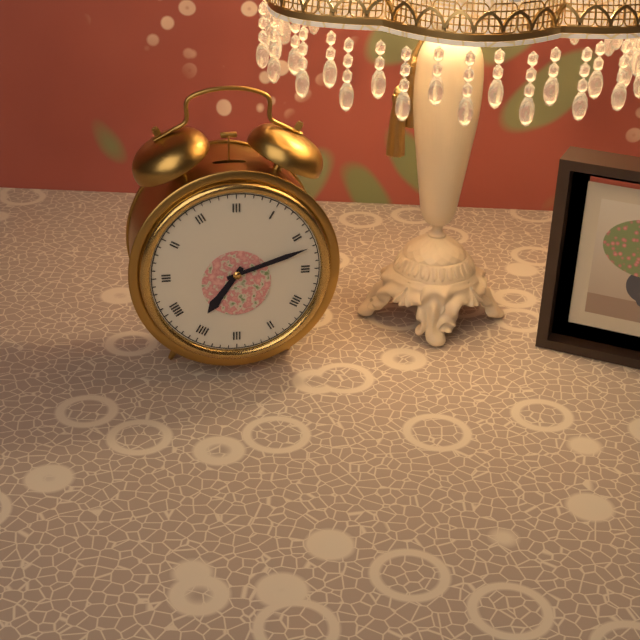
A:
**7:12**
